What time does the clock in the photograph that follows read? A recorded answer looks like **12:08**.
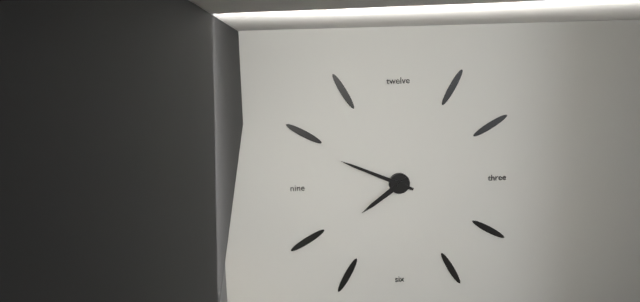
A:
**7:49**
